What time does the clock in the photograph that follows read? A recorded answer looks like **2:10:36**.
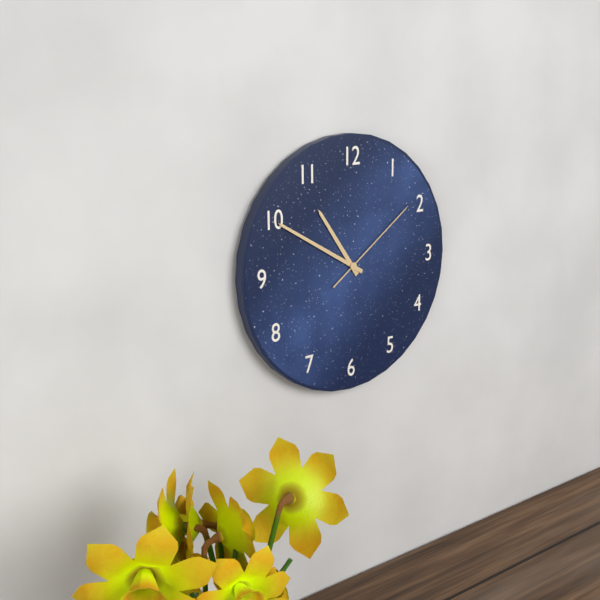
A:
**10:50:09**
